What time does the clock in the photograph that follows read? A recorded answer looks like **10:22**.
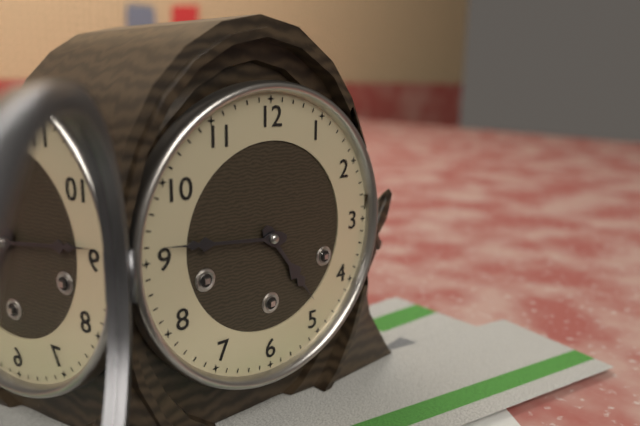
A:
**4:46**
